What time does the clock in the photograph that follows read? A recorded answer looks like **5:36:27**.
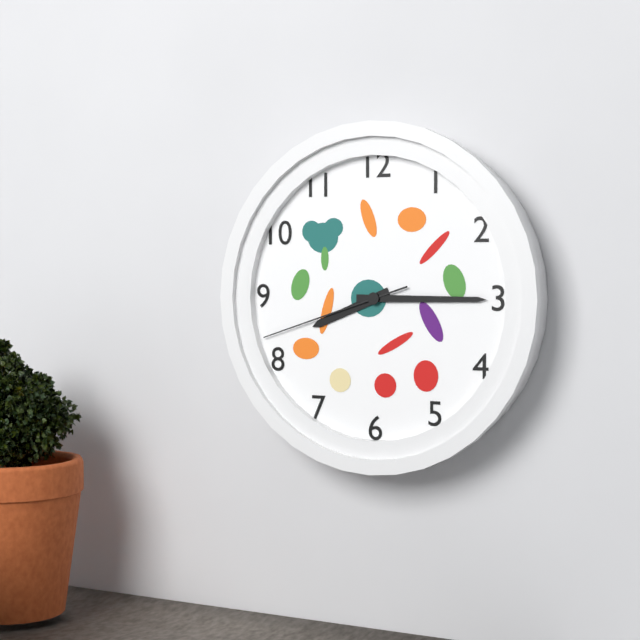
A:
**8:15:42**
